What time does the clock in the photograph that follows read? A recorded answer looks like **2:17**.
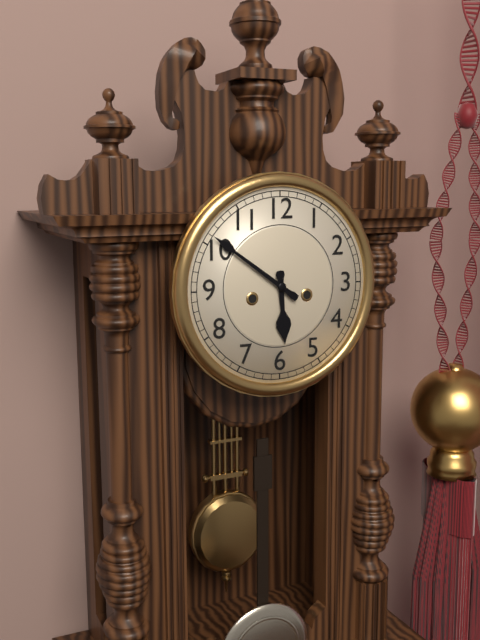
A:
**5:51**
